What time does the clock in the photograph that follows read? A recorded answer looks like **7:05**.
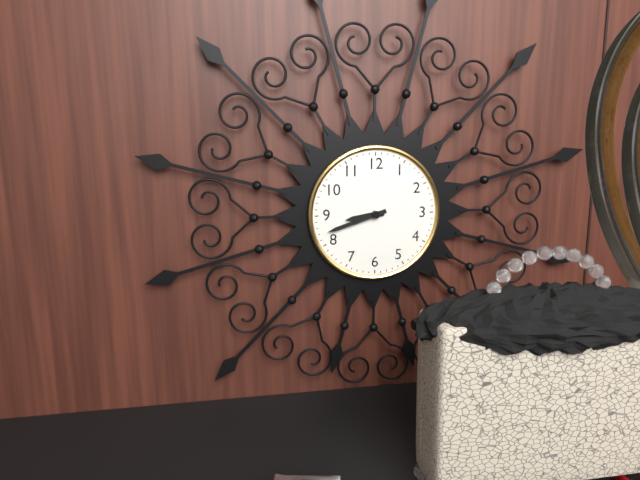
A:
**8:42**
